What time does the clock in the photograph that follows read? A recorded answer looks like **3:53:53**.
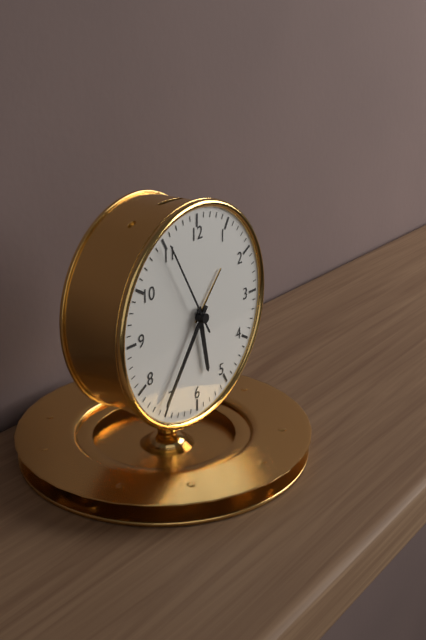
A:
**5:36:55**
